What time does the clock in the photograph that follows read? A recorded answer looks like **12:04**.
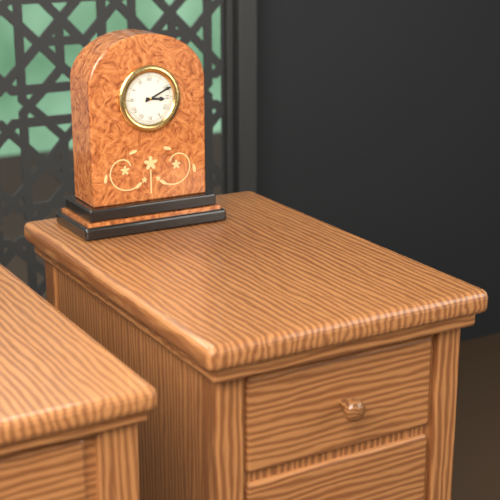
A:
**3:11**
